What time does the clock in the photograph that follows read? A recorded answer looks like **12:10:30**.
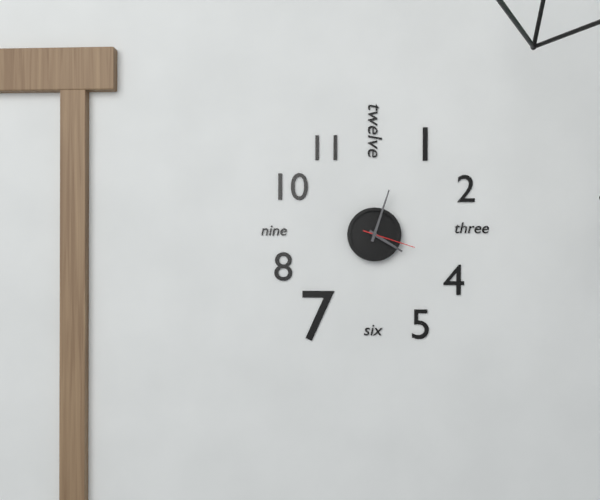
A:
**4:03:18**
